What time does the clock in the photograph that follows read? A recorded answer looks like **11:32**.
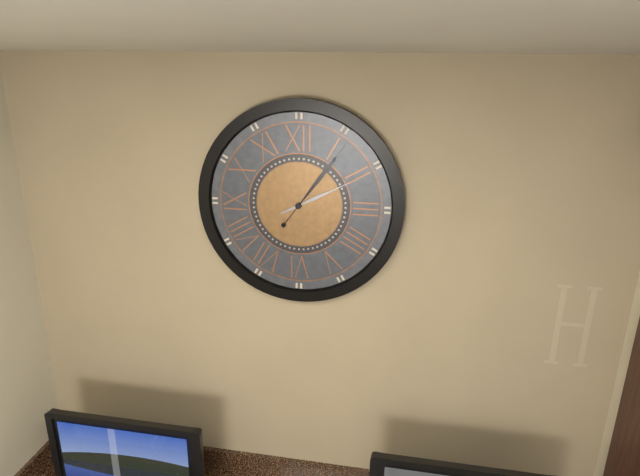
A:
**2:06**
